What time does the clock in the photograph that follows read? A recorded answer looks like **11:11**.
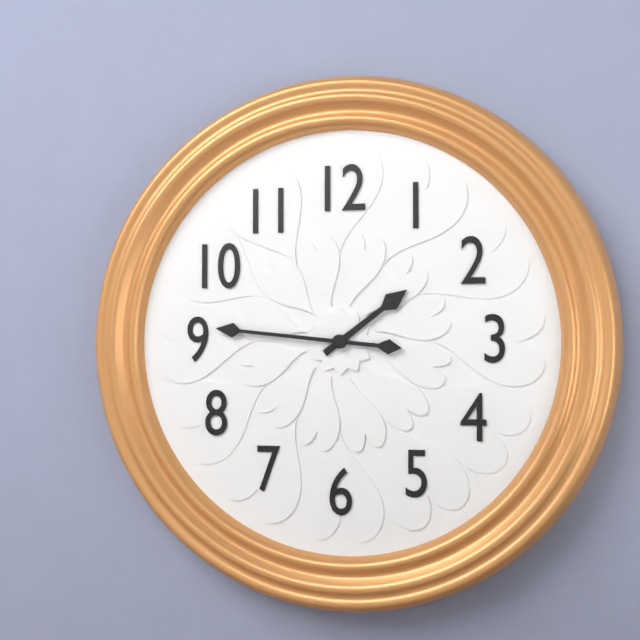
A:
**1:46**
